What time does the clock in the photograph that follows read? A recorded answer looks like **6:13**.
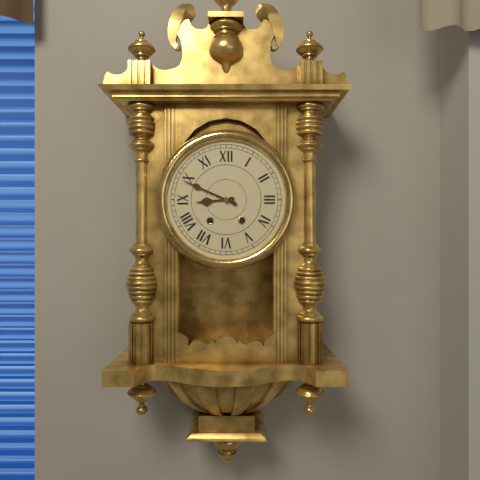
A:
**8:49**
